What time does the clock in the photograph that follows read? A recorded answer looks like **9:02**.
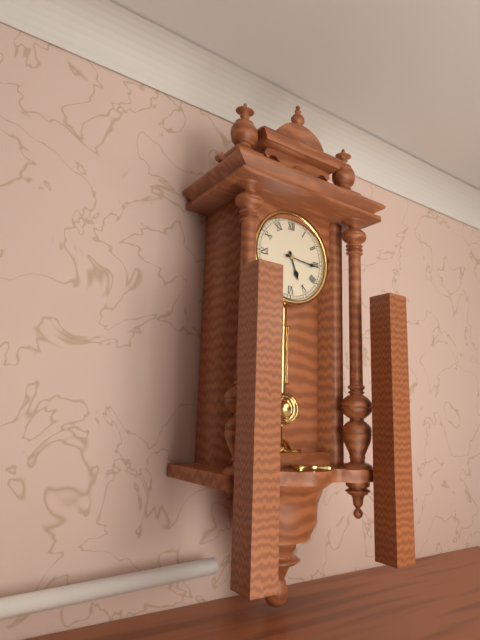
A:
**5:16**
